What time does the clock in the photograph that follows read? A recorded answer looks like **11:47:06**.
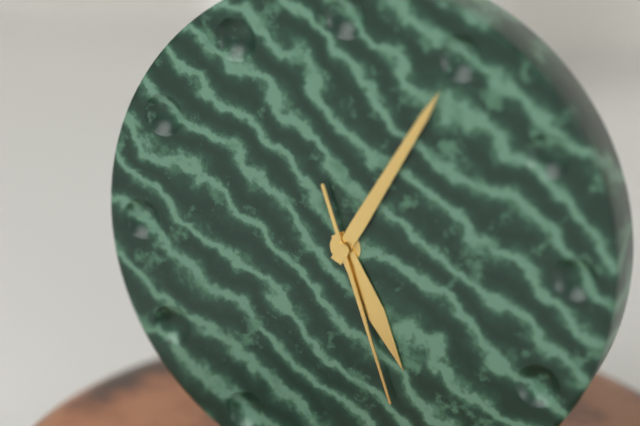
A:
**5:05:27**
